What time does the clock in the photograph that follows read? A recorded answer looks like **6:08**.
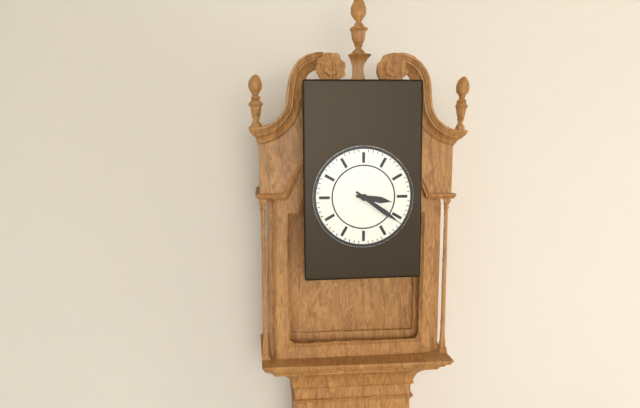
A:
**3:21**
